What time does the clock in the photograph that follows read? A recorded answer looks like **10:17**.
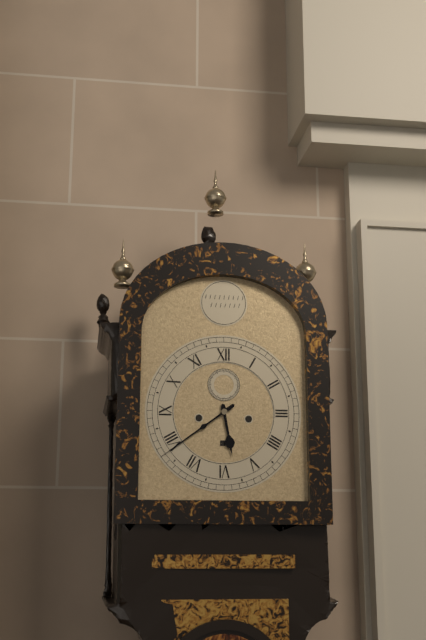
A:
**5:39**
